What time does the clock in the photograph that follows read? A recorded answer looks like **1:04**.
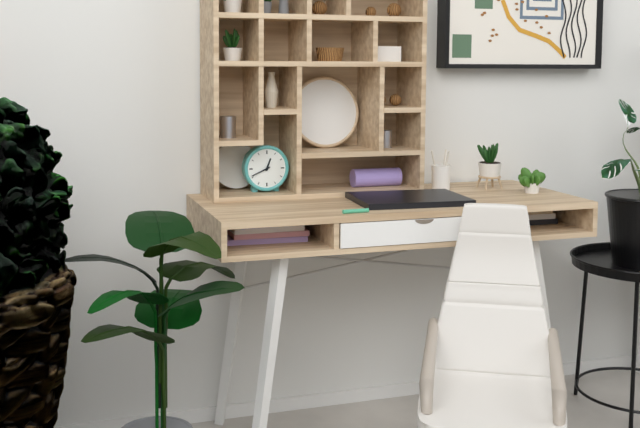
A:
**12:41**
